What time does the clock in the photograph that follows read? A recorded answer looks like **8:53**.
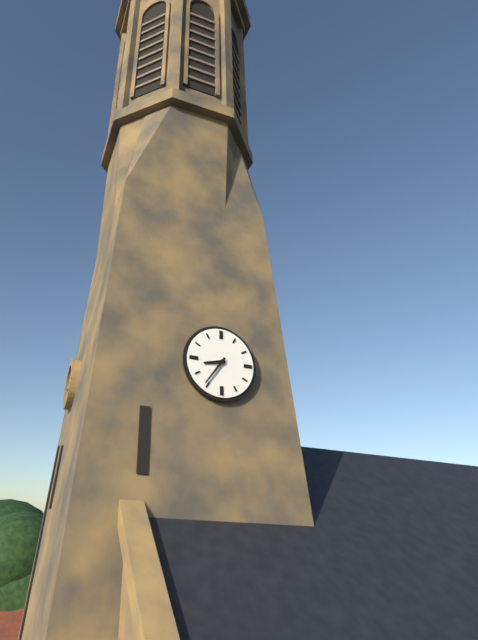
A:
**8:36**
